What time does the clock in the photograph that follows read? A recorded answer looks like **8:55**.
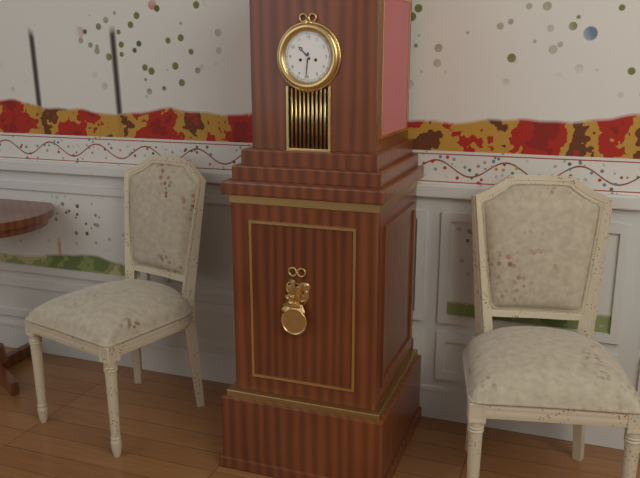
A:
**10:31**
